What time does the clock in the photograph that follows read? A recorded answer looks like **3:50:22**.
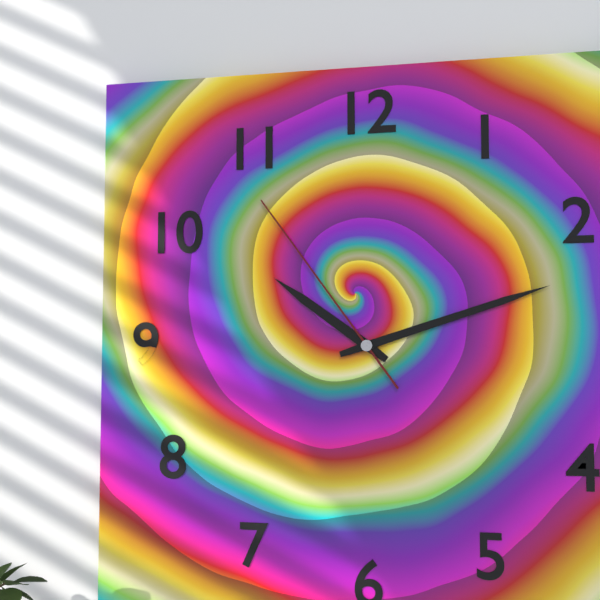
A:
**10:12:54**
